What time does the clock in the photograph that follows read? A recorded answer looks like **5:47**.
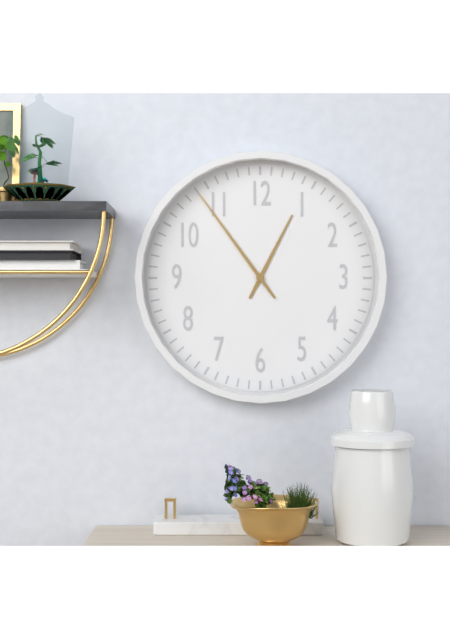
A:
**12:54**
